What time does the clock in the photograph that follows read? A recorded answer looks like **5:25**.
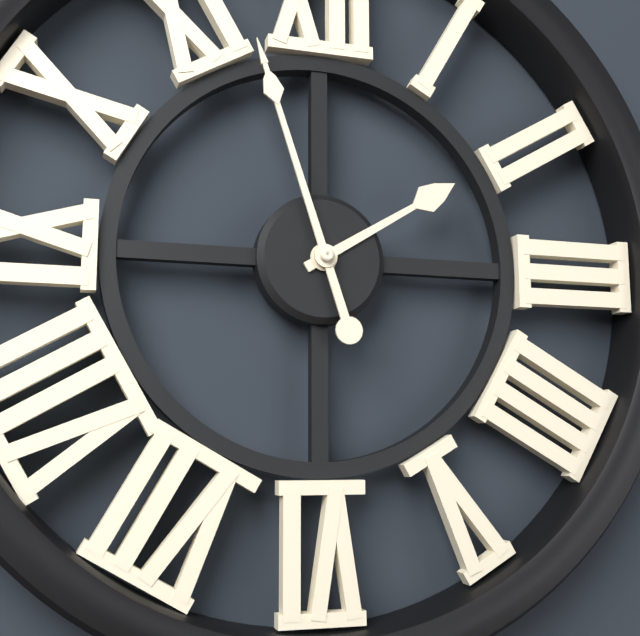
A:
**1:57**
